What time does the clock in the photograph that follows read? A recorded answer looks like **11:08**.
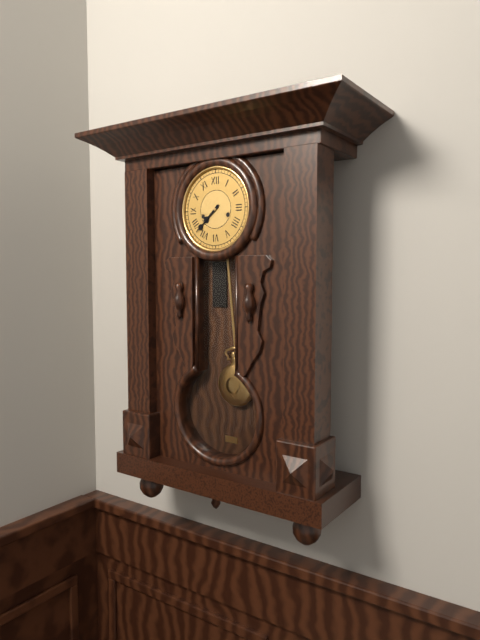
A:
**7:38**
